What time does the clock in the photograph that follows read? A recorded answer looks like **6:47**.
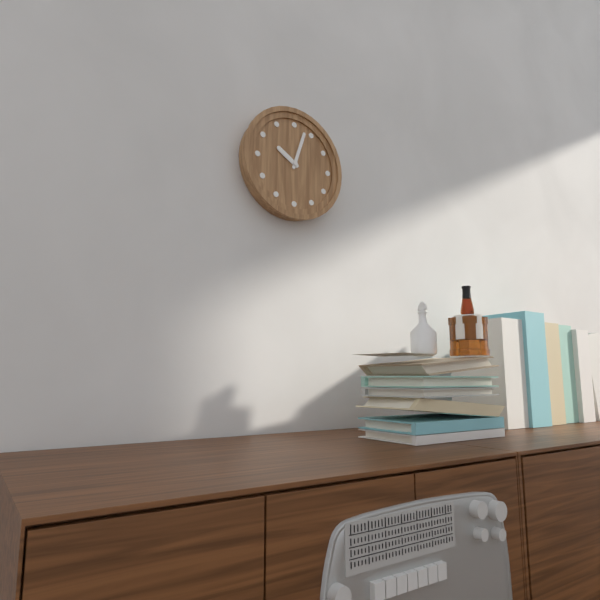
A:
**10:03**
